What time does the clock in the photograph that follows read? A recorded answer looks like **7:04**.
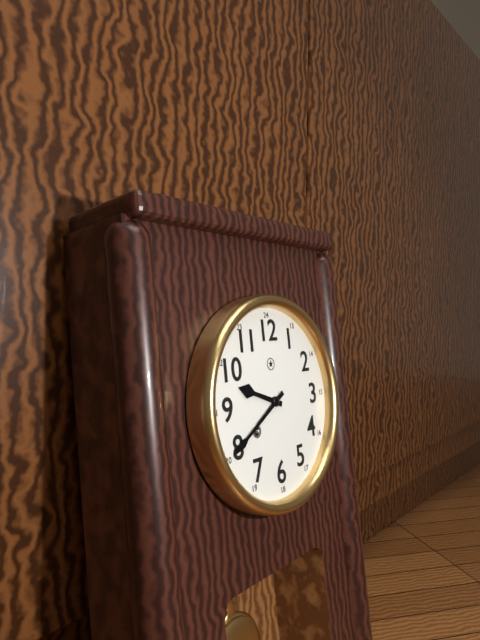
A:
**9:40**
